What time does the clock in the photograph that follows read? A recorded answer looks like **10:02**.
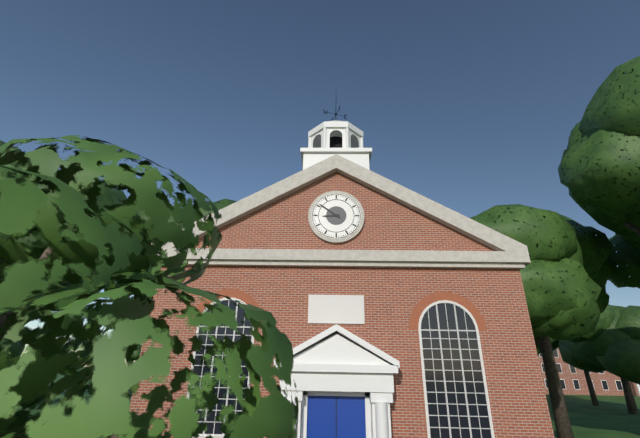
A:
**8:51**
